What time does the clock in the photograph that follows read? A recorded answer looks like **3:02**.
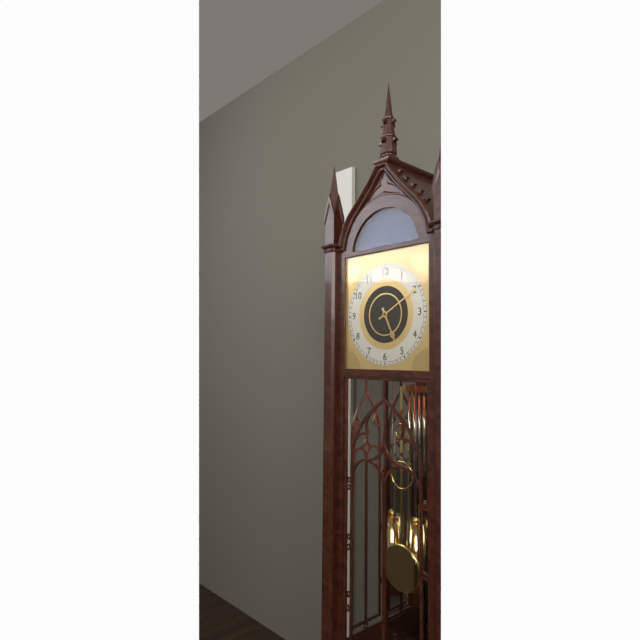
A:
**5:10**
